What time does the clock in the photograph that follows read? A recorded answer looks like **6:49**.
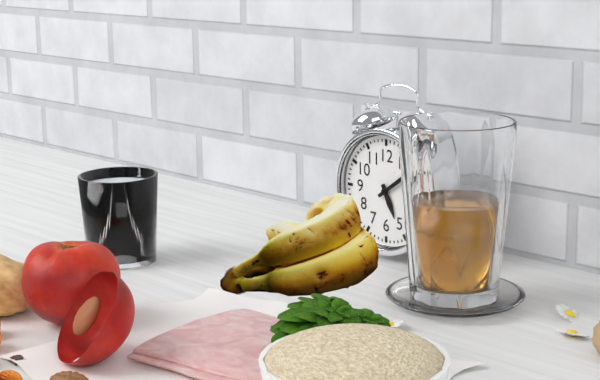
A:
**5:09**
